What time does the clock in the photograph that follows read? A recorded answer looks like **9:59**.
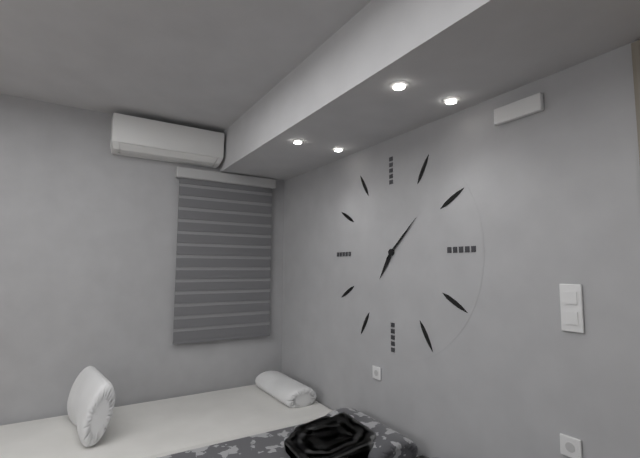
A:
**7:08**
